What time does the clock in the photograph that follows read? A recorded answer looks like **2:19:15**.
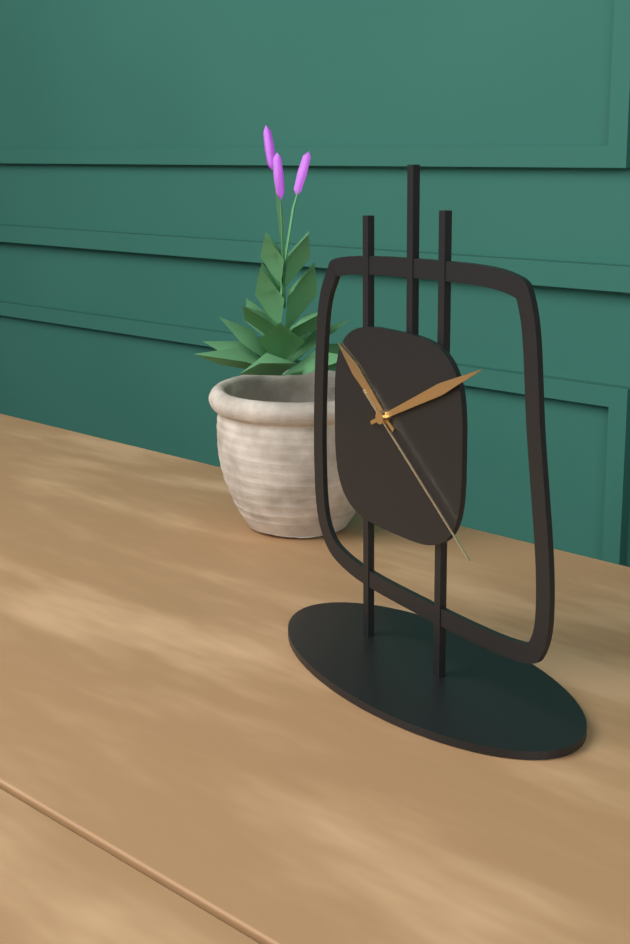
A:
**10:11:21**
